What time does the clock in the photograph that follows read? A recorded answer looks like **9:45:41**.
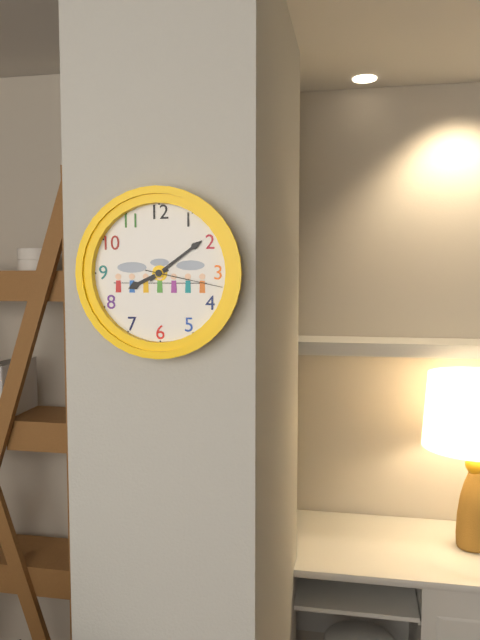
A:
**8:09:17**
